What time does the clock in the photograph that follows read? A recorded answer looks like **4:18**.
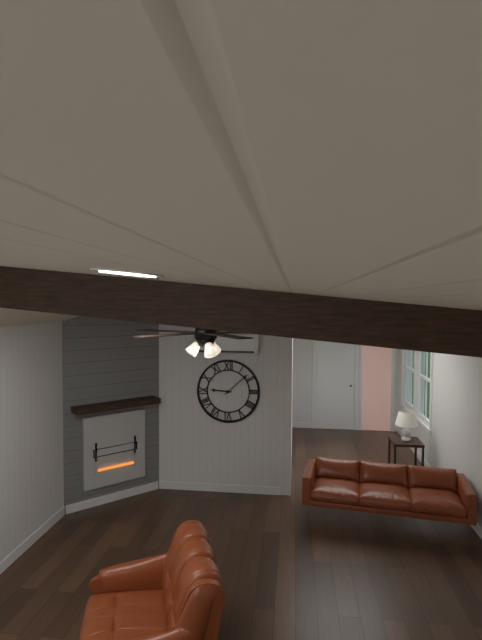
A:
**9:08**
